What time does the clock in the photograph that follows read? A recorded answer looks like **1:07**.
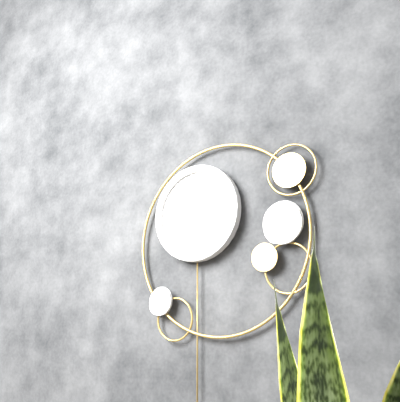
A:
**2:45**
